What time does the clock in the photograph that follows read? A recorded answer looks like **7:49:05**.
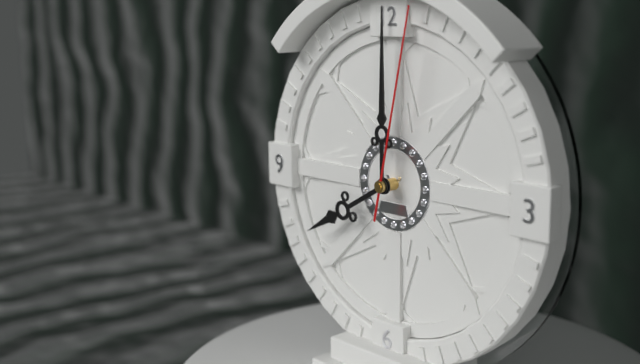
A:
**8:00:02**
